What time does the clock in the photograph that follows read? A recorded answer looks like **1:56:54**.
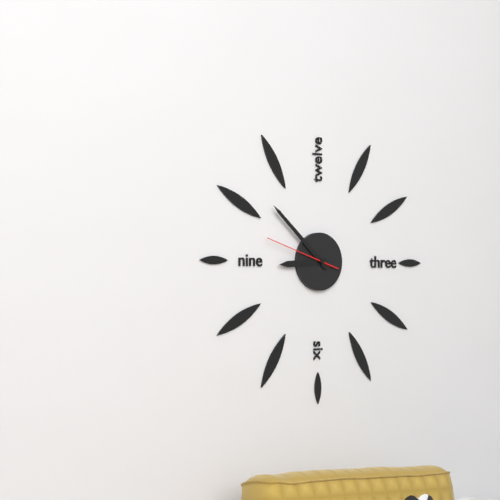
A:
**8:52:48**
